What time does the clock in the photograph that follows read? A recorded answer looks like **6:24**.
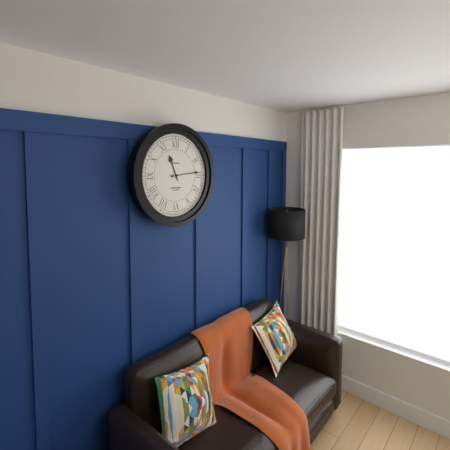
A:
**11:14**
